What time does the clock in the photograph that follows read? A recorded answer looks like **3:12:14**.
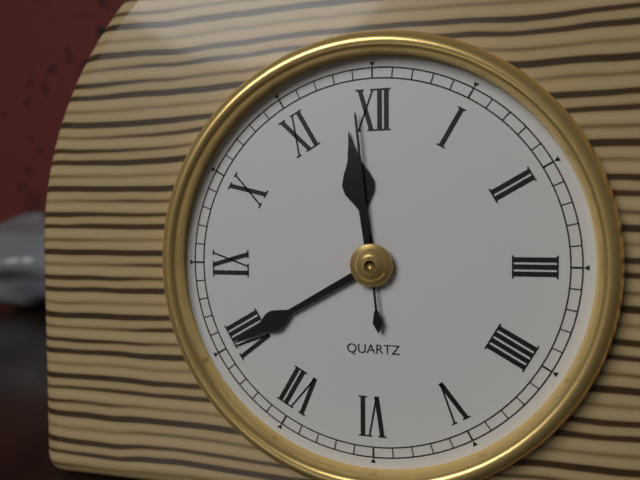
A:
**11:40:59**
